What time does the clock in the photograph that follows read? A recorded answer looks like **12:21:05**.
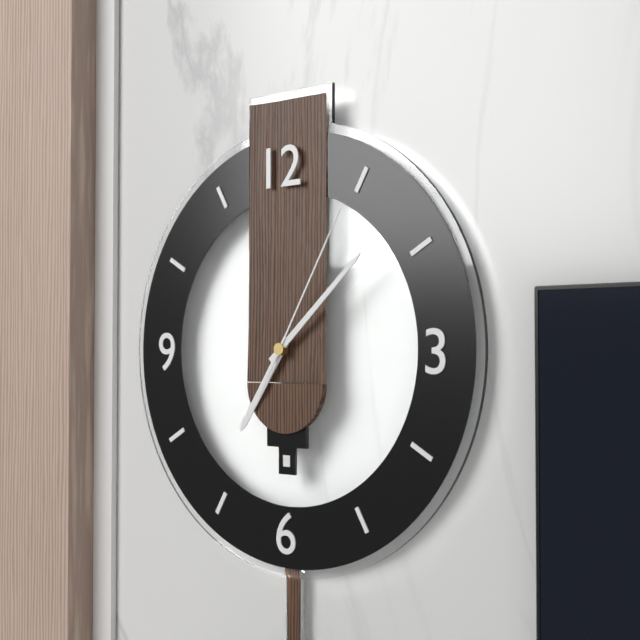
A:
**7:08:05**
